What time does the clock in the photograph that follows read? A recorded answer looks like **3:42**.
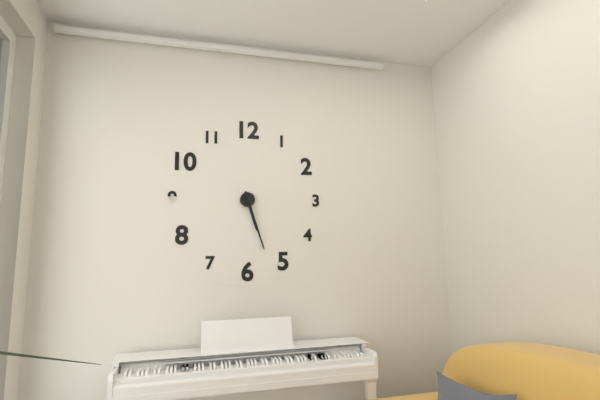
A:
**5:27**
